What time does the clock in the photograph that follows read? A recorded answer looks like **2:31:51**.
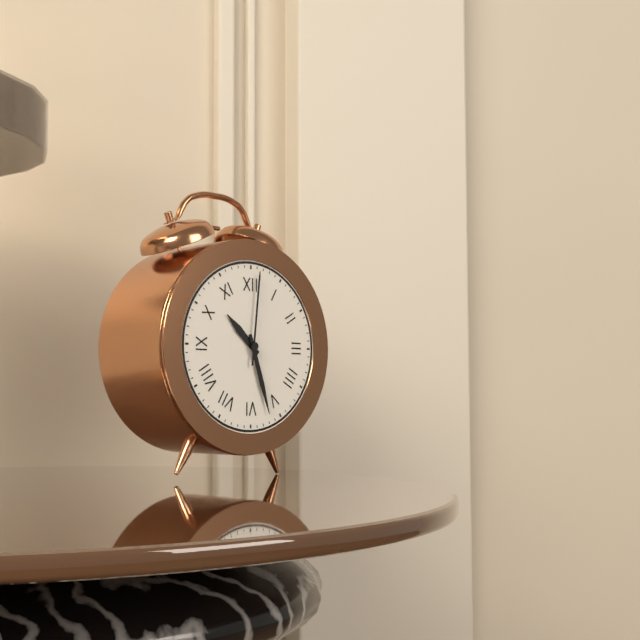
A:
**10:27:01**
